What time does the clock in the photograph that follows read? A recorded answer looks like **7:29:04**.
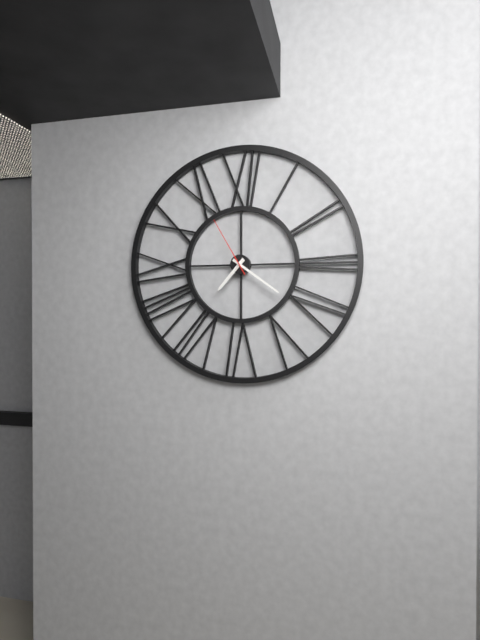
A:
**7:21:55**
